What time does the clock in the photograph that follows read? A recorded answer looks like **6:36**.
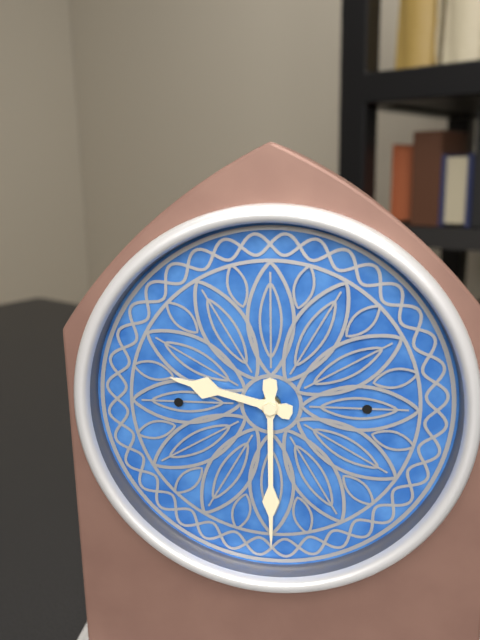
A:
**9:30**
